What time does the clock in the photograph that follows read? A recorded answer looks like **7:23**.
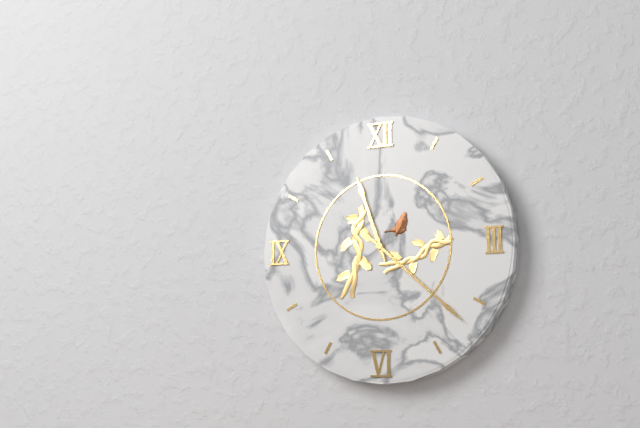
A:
**11:22**
